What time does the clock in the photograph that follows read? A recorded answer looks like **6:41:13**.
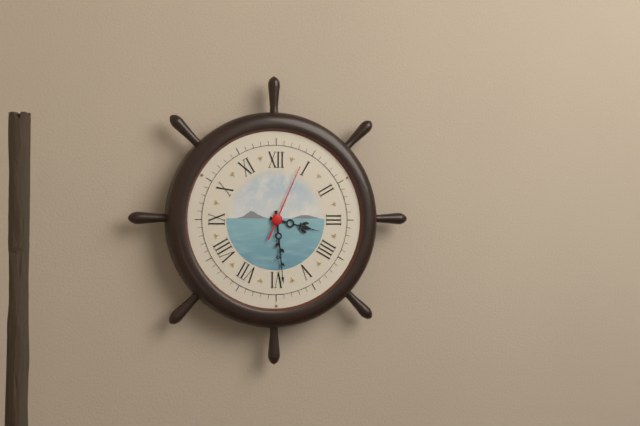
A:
**3:29:04**
